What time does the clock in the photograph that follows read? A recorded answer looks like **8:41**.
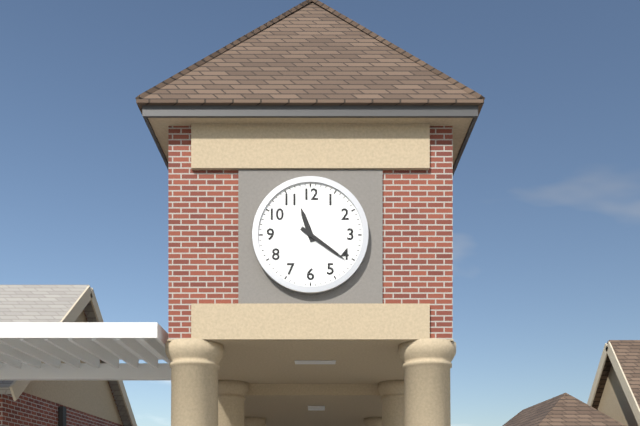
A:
**11:21**
